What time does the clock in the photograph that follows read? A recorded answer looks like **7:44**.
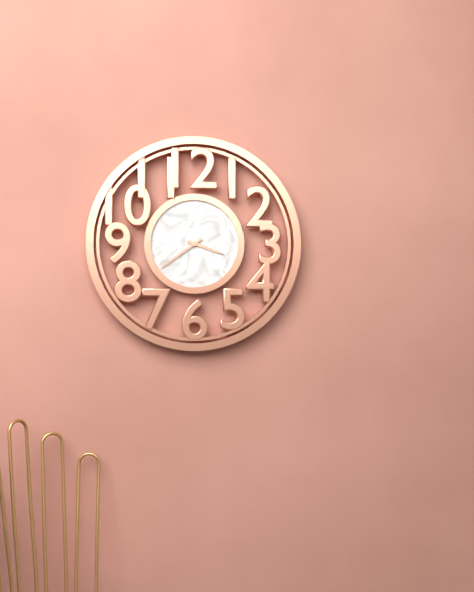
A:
**3:39**
